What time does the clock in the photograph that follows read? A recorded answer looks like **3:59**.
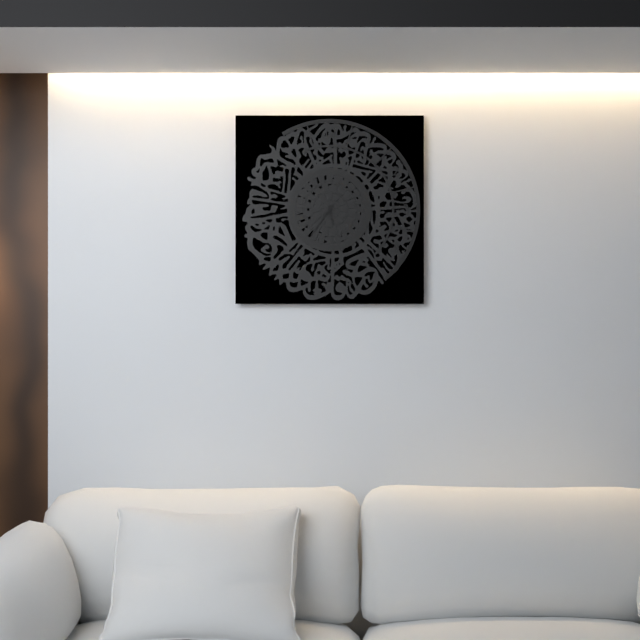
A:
**5:36**
